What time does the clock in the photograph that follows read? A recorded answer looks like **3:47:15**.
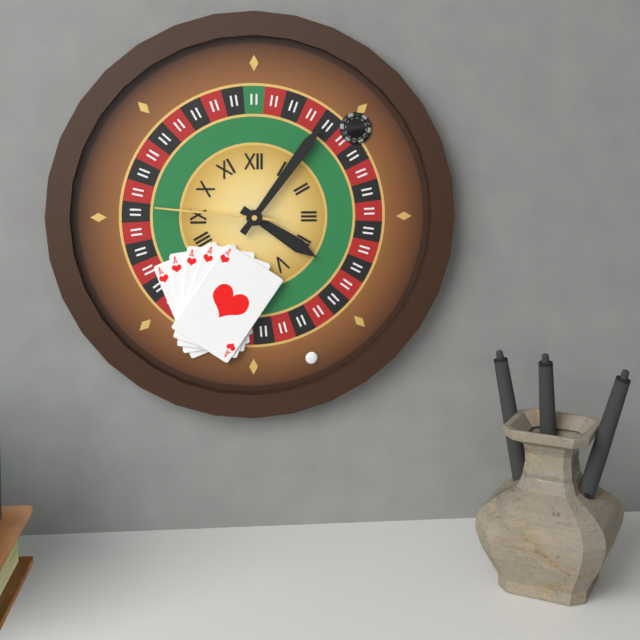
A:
**4:06:46**
